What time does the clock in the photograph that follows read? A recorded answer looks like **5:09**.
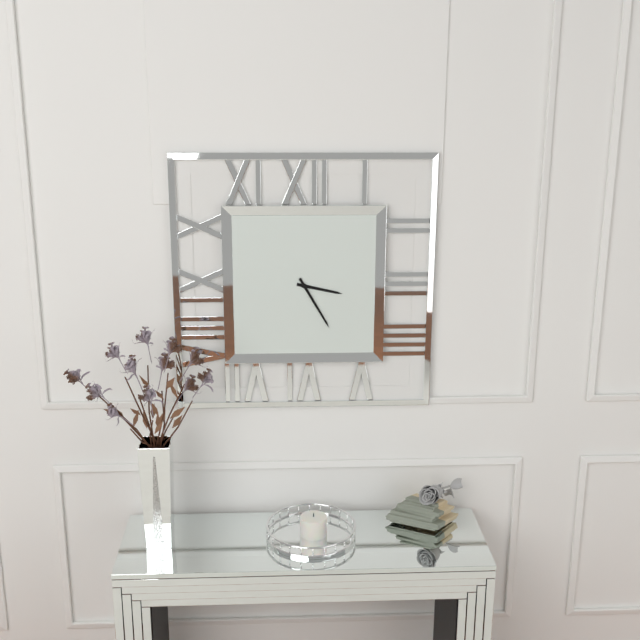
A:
**3:25**
